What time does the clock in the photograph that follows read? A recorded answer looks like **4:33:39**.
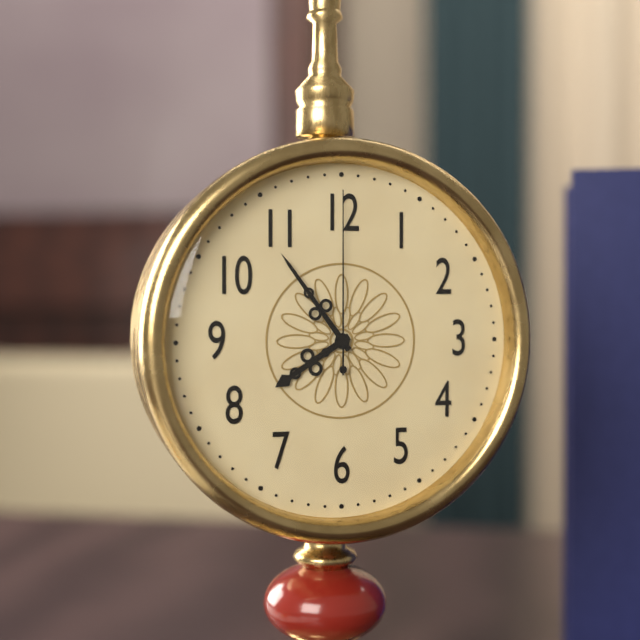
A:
**7:54:00**
